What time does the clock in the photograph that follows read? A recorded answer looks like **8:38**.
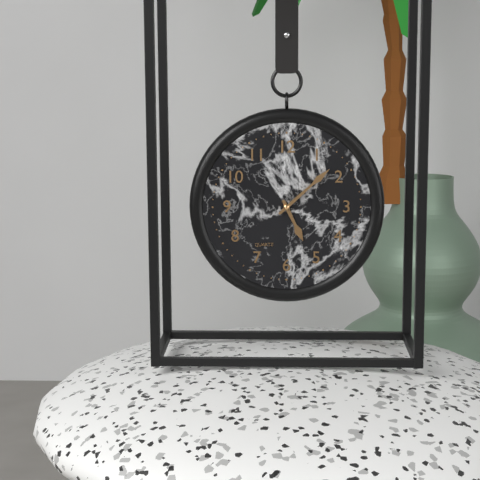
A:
**5:08**
